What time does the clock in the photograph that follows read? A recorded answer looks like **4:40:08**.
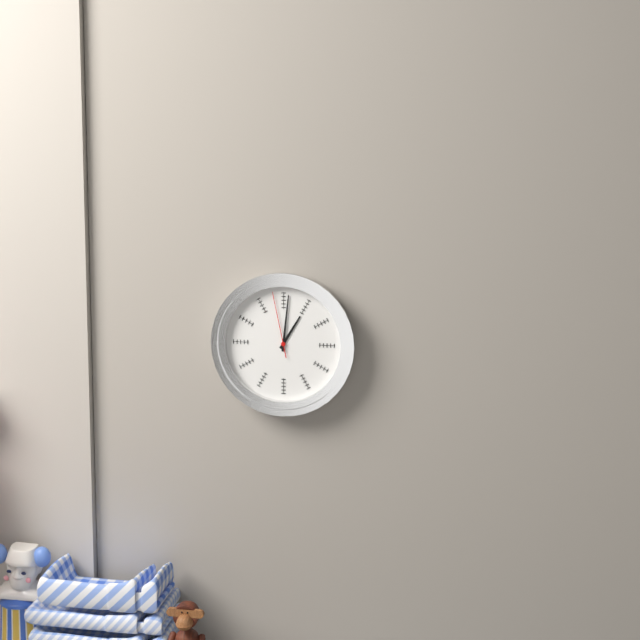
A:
**1:01:58**
